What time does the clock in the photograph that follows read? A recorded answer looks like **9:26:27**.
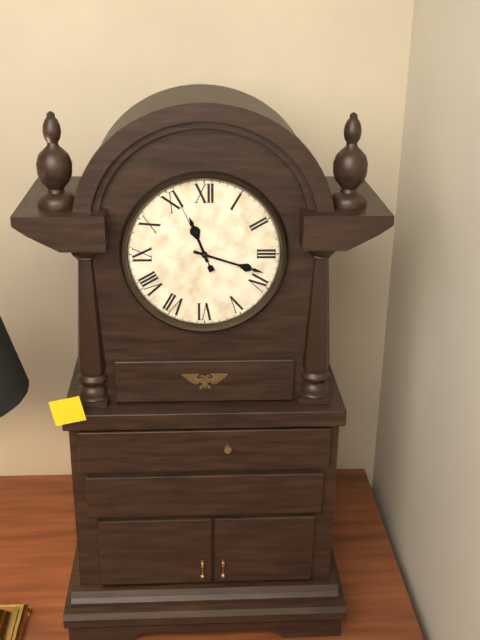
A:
**11:18:56**
